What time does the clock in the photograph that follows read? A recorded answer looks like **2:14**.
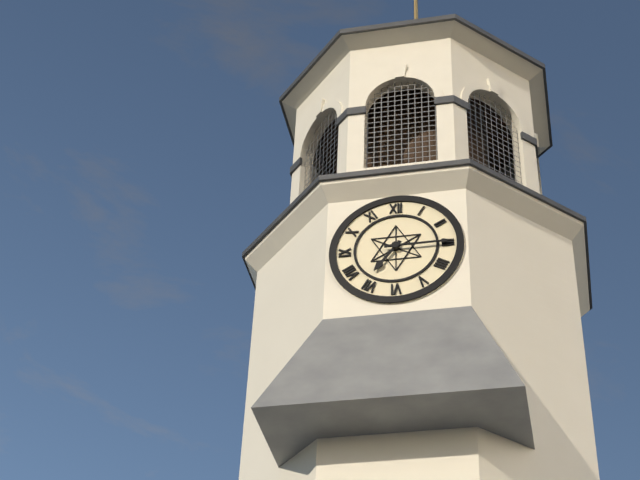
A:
**7:15**
